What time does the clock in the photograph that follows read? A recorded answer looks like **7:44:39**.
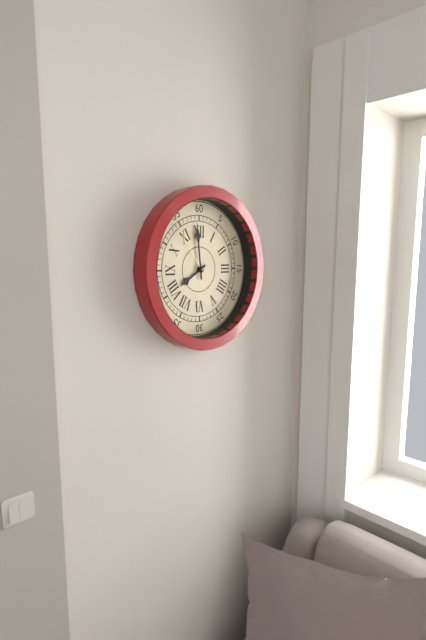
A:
**7:59:54**
